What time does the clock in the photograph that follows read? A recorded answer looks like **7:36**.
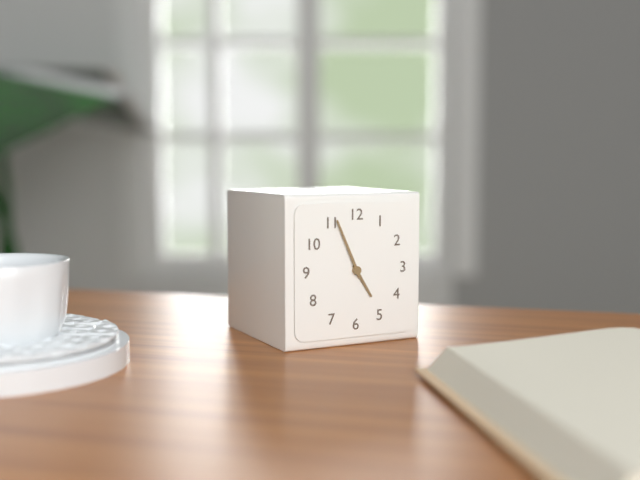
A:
**4:56**
